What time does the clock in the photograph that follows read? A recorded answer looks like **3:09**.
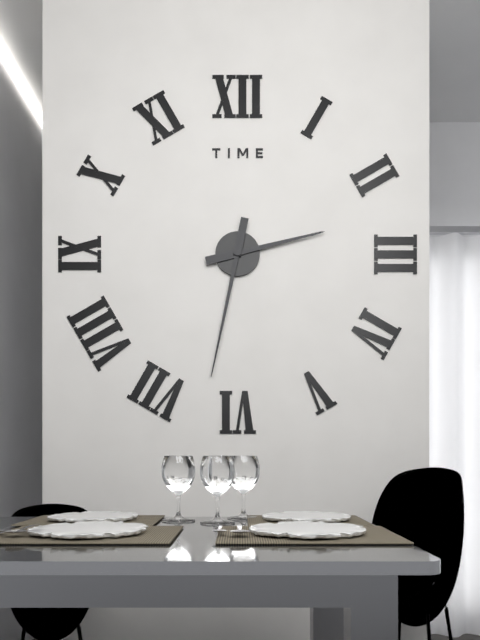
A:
**2:32**
